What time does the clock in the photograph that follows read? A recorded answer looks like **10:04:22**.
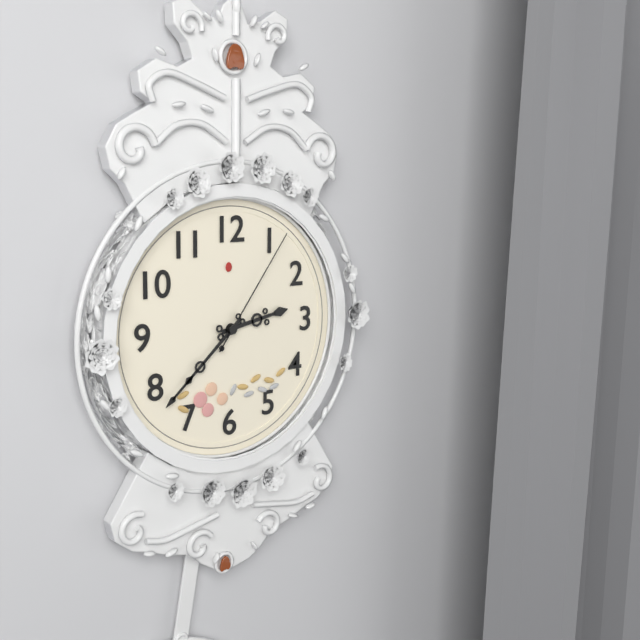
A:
**2:38:06**
